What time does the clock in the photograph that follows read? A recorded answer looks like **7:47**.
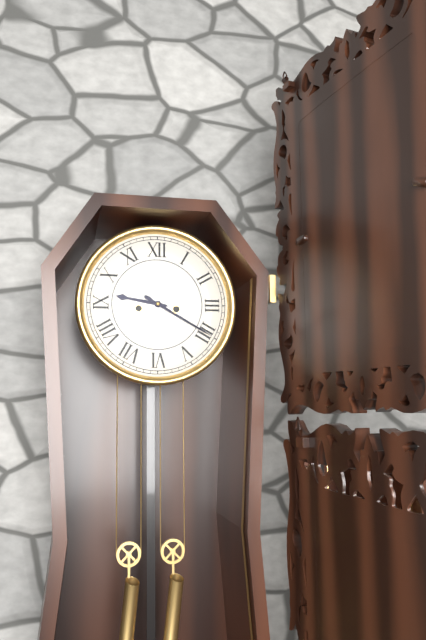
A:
**9:20**
